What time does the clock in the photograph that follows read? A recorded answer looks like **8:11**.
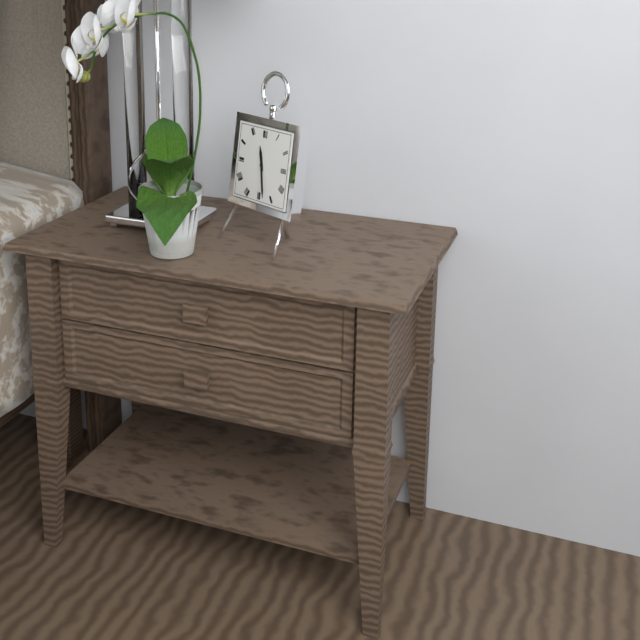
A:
**11:28**
